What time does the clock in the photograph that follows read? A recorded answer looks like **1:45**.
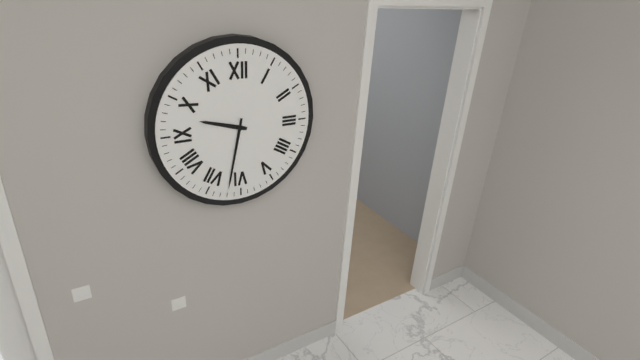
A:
**9:32**
